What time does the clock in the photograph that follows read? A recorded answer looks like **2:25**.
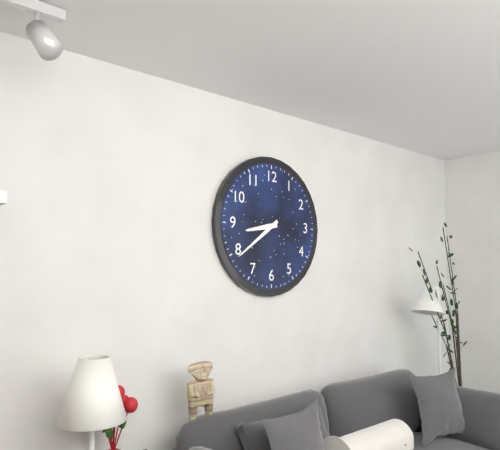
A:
**8:39**
